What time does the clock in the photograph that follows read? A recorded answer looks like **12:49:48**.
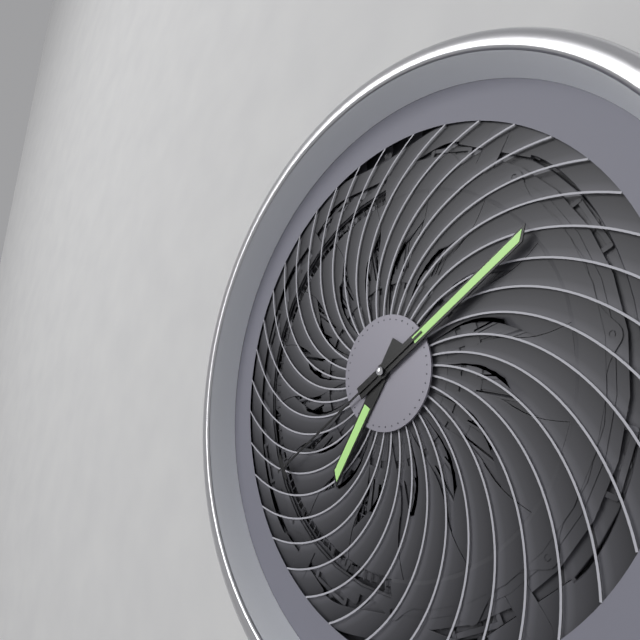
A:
**7:10:40**
